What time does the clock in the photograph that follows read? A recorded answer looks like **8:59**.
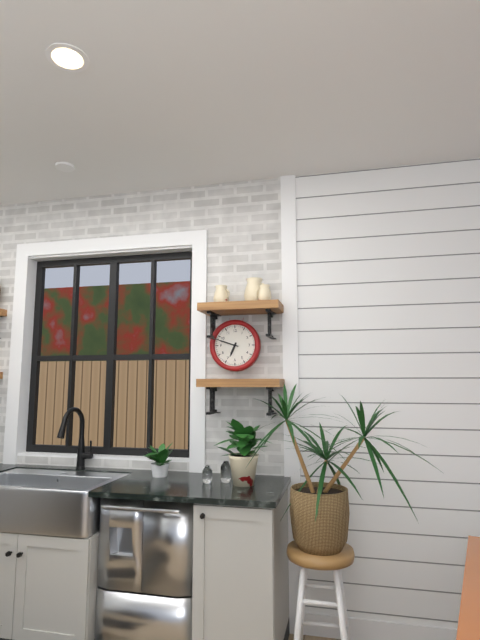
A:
**6:48**
